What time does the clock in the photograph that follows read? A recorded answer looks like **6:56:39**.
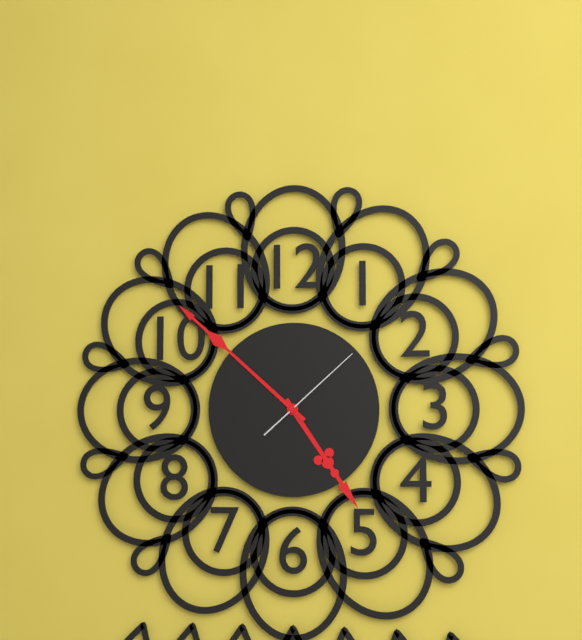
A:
**4:52:08**
